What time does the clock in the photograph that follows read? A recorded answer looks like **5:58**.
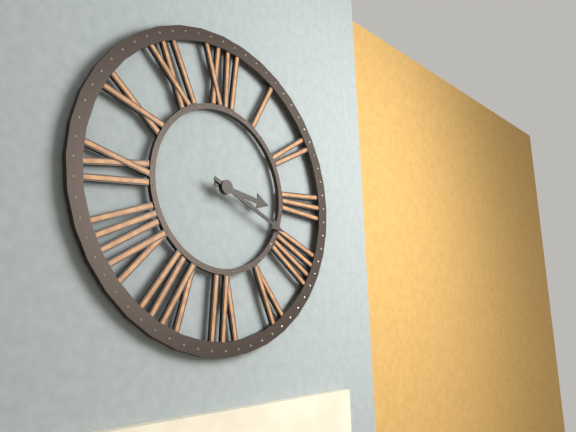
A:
**3:19**
